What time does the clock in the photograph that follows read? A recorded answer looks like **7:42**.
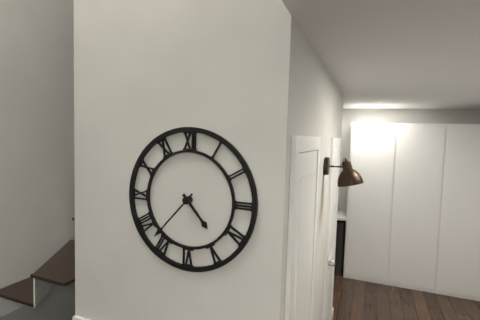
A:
**4:37**
